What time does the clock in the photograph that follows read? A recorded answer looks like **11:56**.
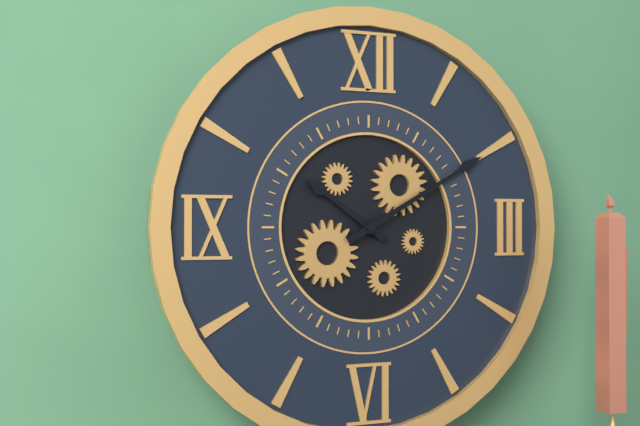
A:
**10:10**
